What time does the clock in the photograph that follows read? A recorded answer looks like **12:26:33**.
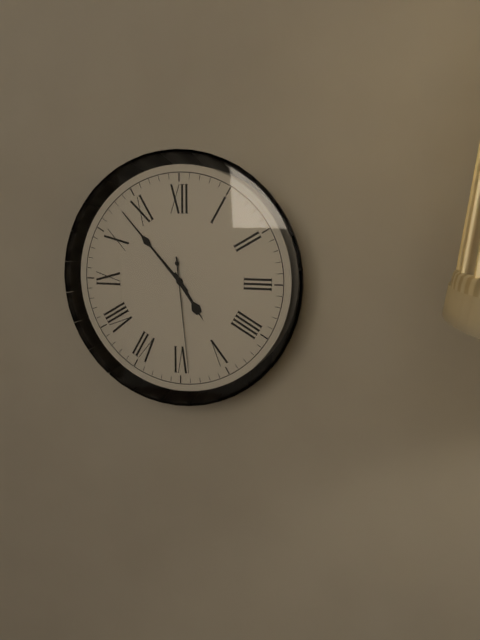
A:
**4:53:29**
